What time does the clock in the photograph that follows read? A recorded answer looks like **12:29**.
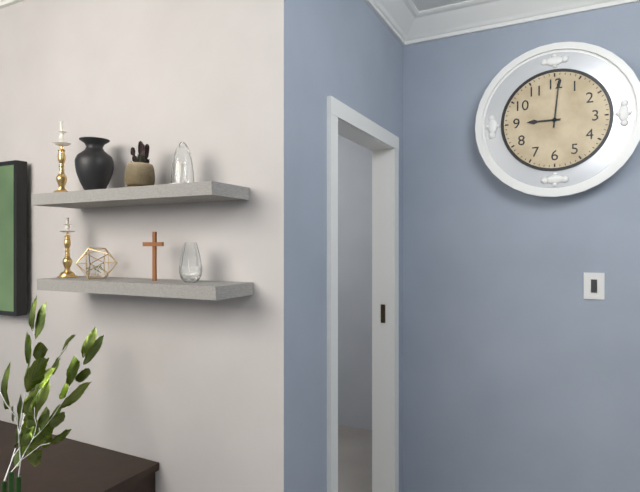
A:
**9:01**
